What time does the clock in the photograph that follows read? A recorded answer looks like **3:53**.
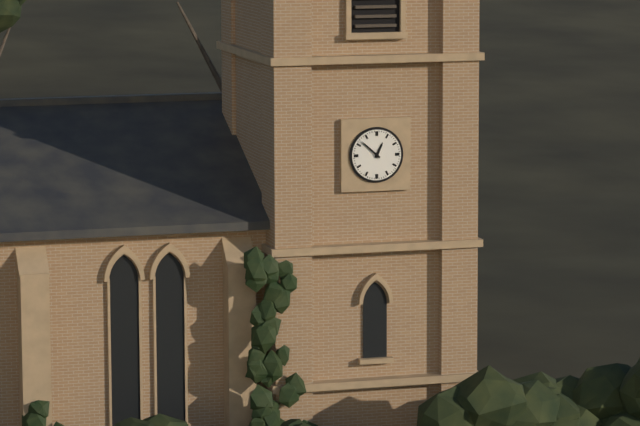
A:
**12:52**
